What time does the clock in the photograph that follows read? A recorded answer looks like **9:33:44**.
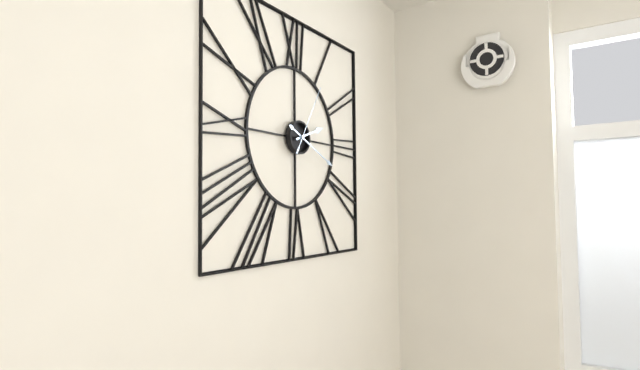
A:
**2:19:05**
